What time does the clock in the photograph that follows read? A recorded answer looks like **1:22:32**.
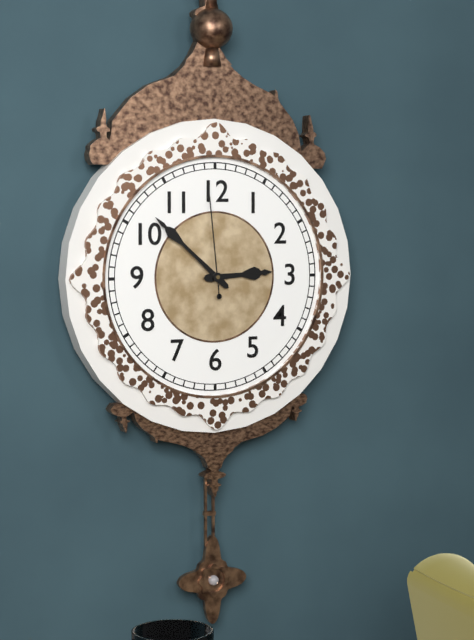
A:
**2:52:59**
